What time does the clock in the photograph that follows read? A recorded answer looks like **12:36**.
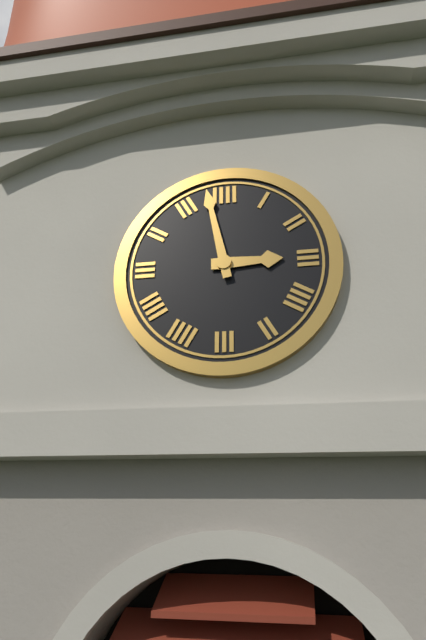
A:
**2:58**
